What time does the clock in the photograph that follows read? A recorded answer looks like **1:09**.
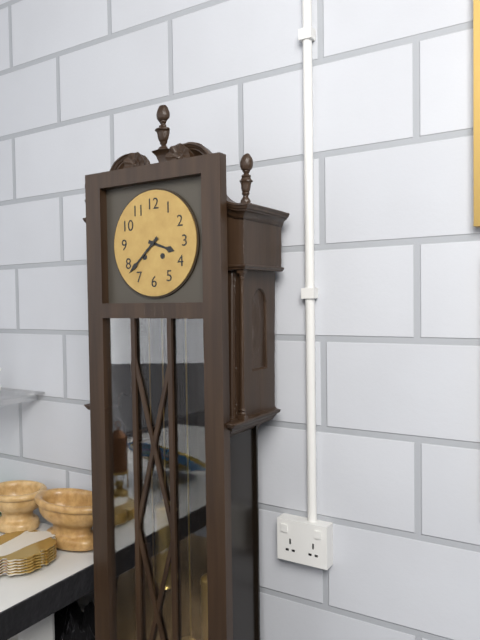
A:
**3:38**
